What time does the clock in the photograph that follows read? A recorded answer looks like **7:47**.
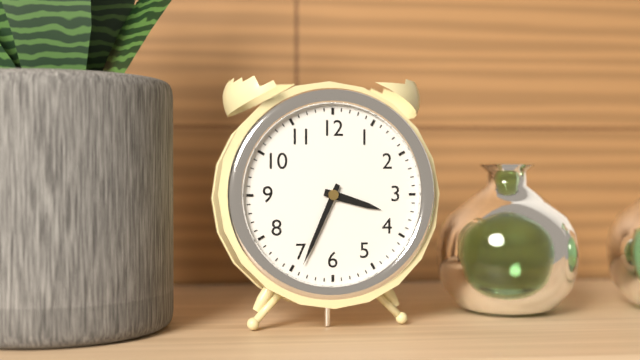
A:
**3:34**
